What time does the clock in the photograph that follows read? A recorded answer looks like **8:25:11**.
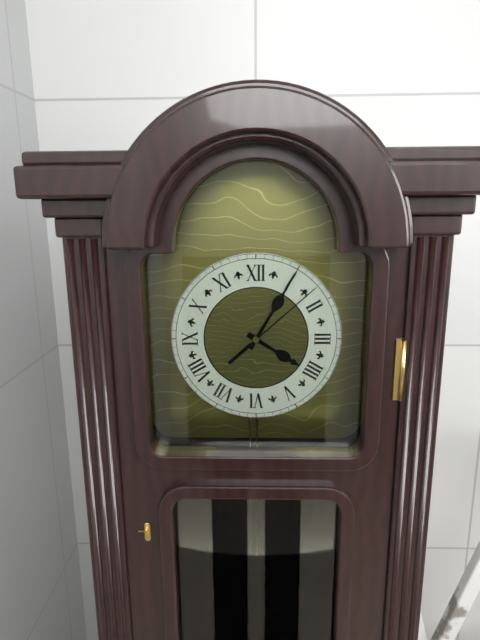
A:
**4:05:08**
